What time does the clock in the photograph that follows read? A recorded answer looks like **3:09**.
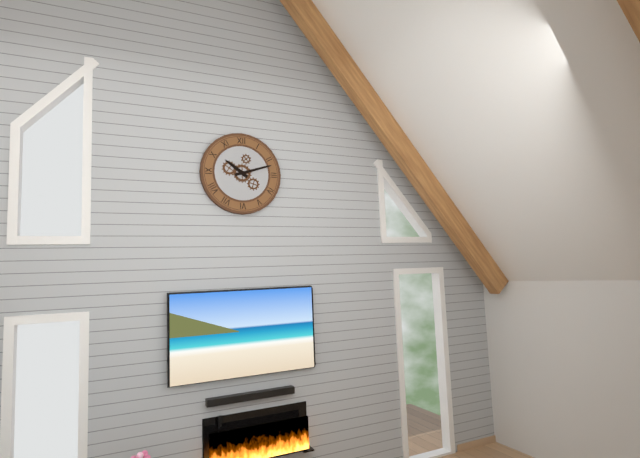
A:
**10:12**
